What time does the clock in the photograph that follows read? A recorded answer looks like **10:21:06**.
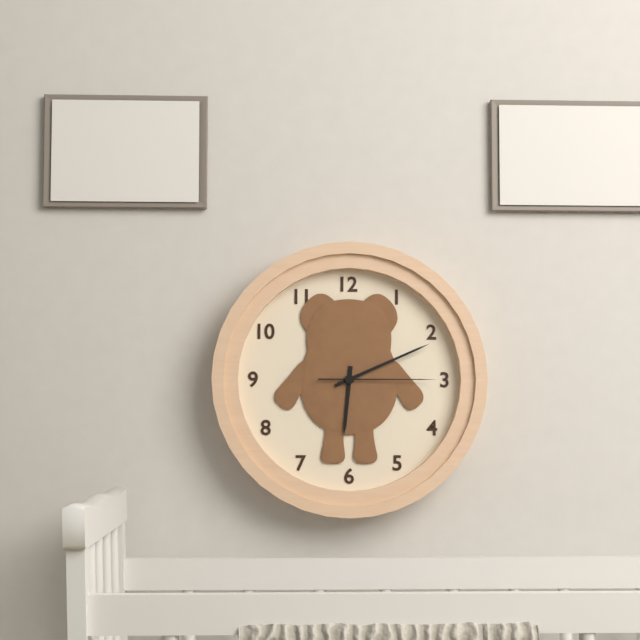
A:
**6:11:15**
